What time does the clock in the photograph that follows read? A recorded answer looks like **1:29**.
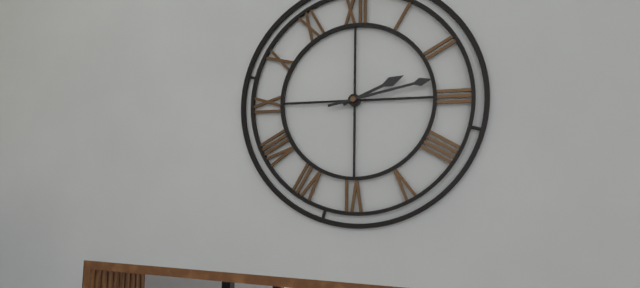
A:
**2:13**
